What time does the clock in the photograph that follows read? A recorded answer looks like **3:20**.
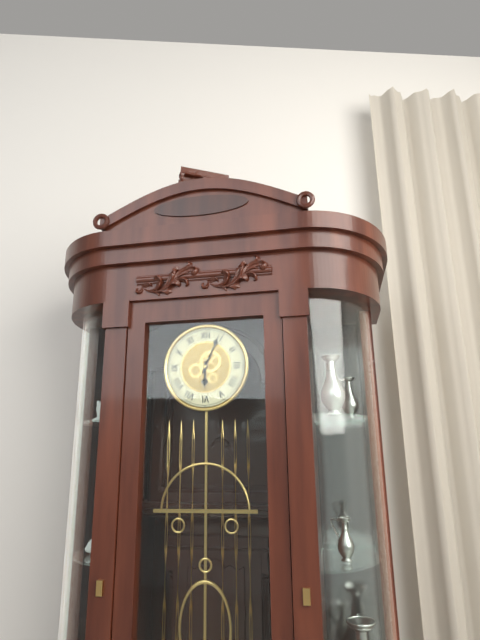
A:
**6:04**
